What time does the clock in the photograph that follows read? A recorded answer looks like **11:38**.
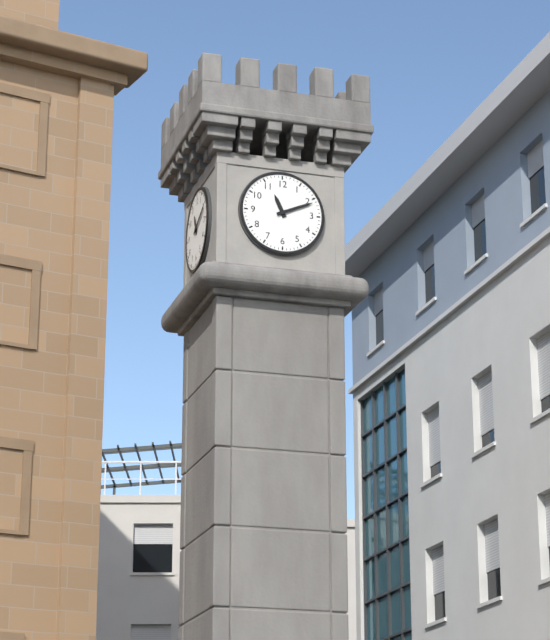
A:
**11:11**
